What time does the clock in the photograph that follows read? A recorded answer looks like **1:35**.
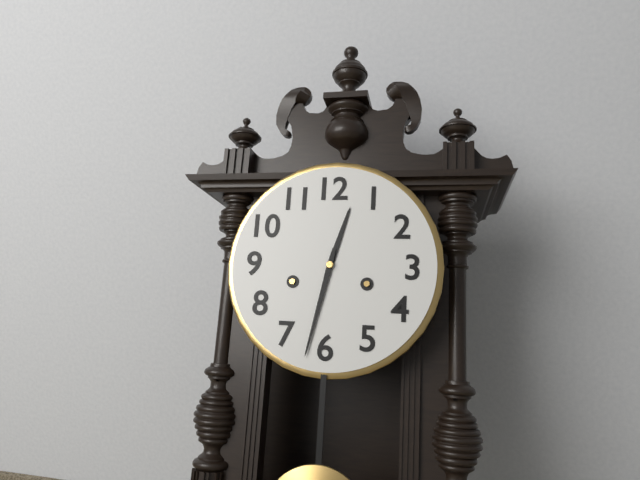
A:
**12:32**
